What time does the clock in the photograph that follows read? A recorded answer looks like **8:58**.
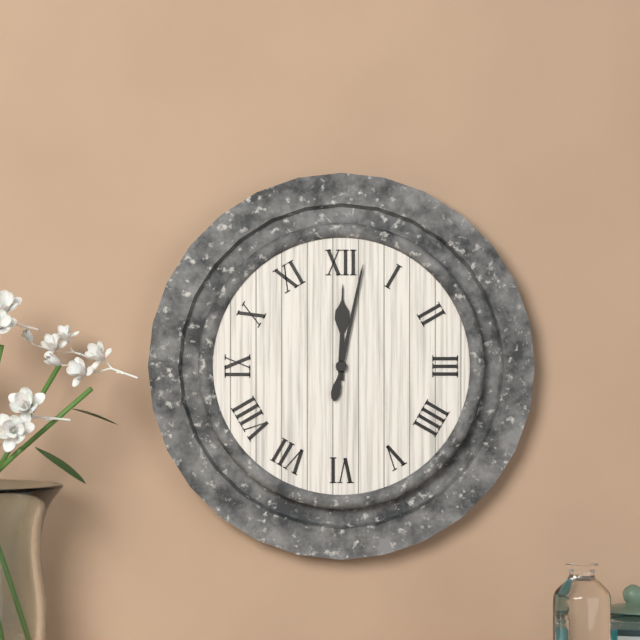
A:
**12:02**
